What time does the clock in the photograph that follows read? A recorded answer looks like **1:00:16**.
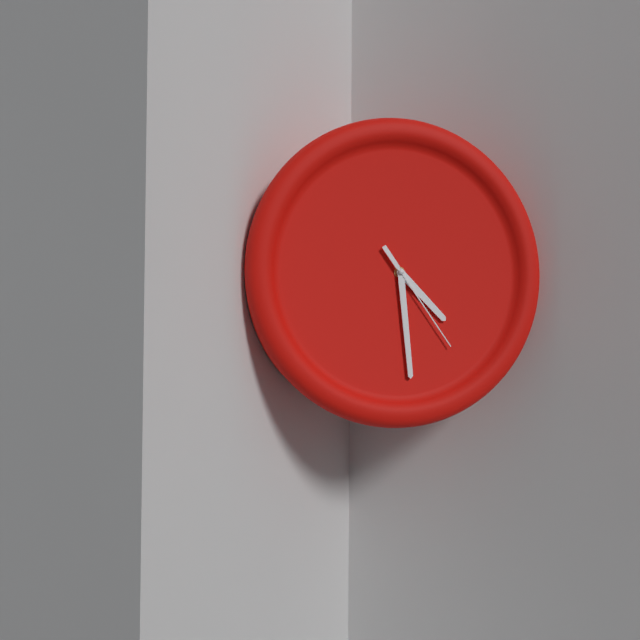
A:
**4:29:24**
